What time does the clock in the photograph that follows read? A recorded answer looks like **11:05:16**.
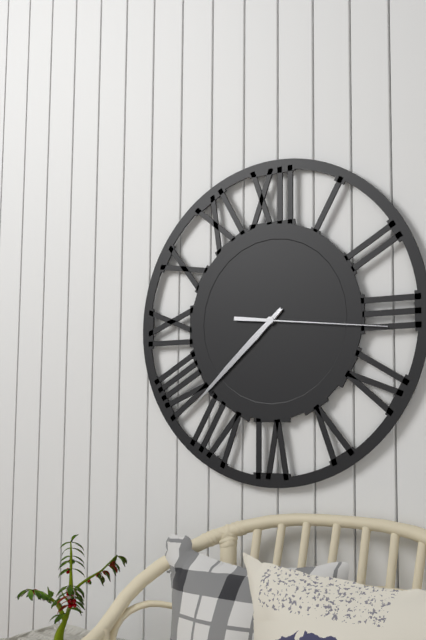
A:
**7:38:16**
